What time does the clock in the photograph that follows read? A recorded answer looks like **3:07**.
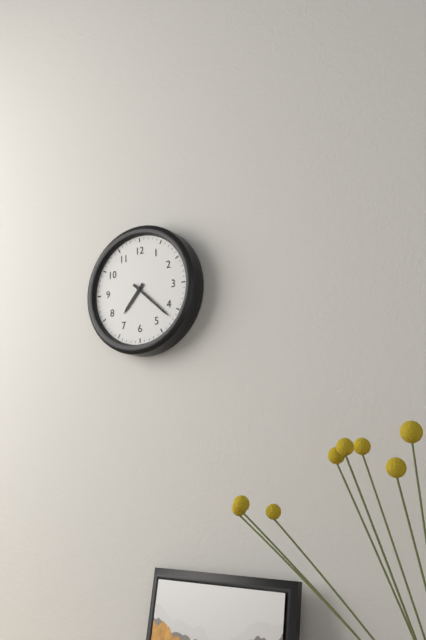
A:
**7:22**
